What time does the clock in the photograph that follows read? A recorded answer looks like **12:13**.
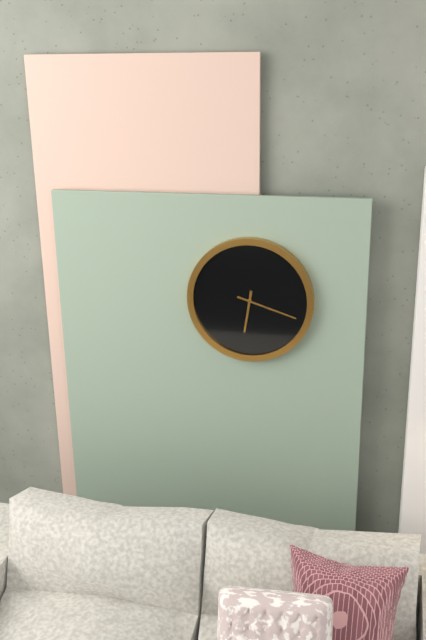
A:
**6:18**
